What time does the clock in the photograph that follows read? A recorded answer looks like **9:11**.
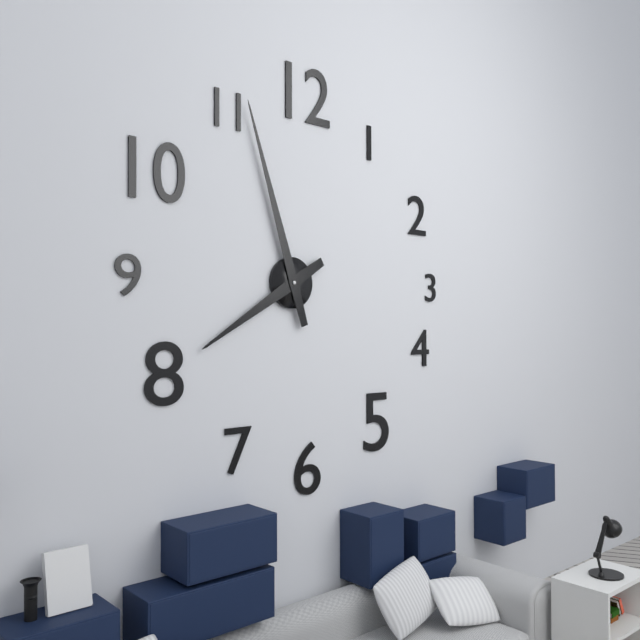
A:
**7:57**
